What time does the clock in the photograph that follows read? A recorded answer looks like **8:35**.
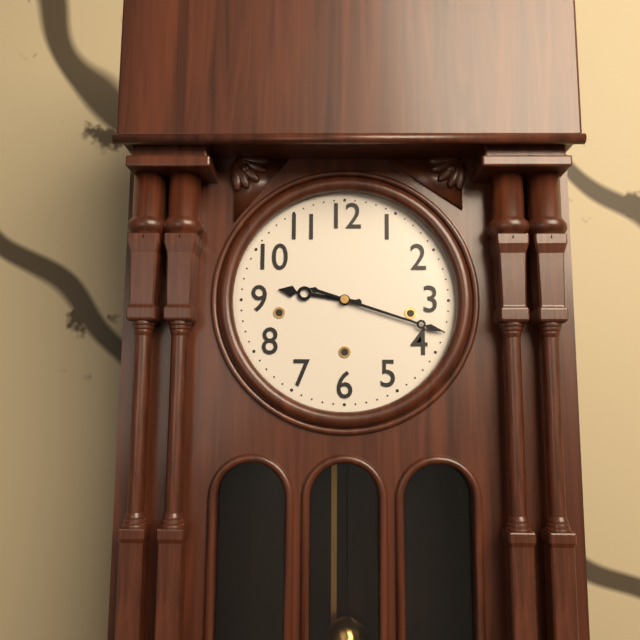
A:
**9:18**
